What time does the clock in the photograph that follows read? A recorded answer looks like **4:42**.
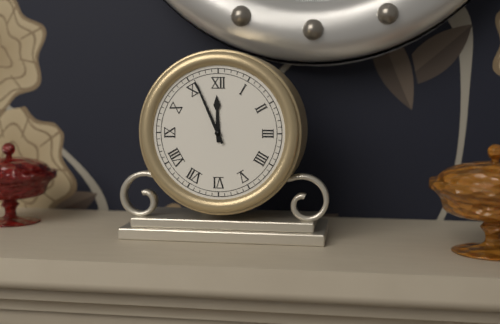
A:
**11:56**
